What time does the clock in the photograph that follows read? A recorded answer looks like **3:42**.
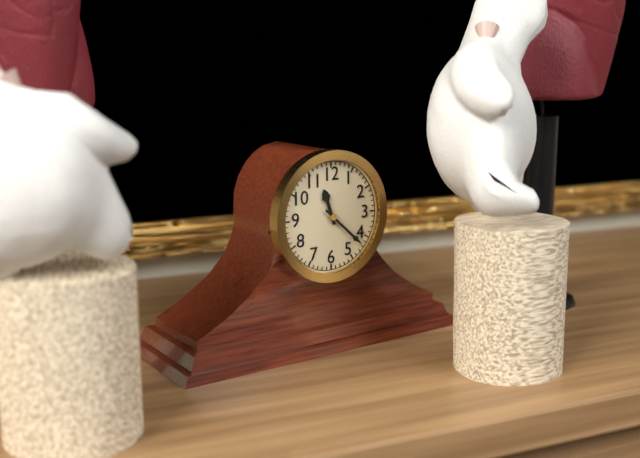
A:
**11:22**
